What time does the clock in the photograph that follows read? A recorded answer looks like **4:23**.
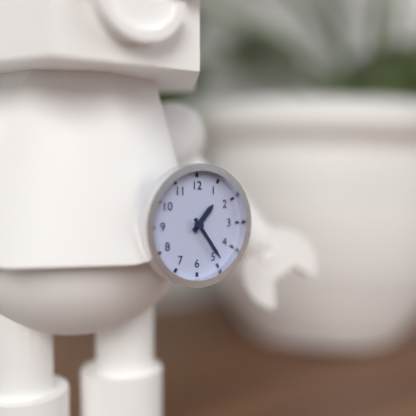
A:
**1:24**
